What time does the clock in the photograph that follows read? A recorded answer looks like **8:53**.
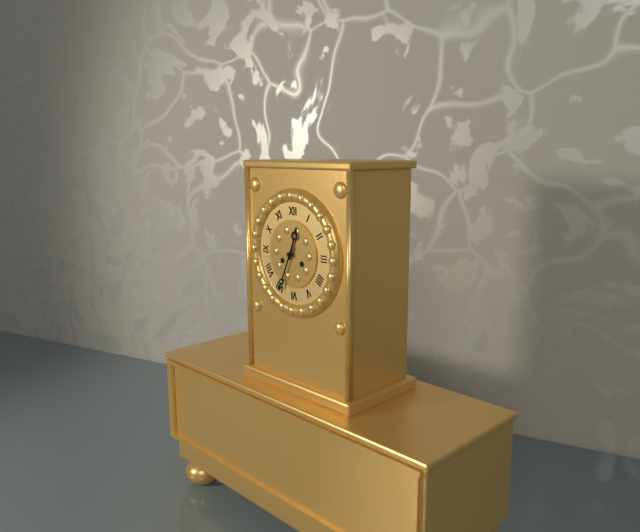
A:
**12:34**
